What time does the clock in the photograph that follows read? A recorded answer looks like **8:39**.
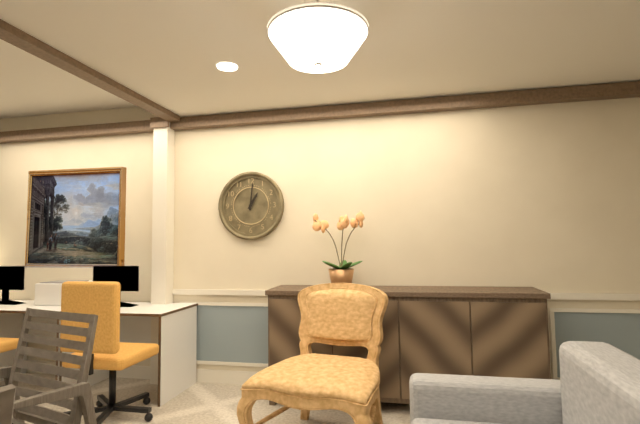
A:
**1:01**
